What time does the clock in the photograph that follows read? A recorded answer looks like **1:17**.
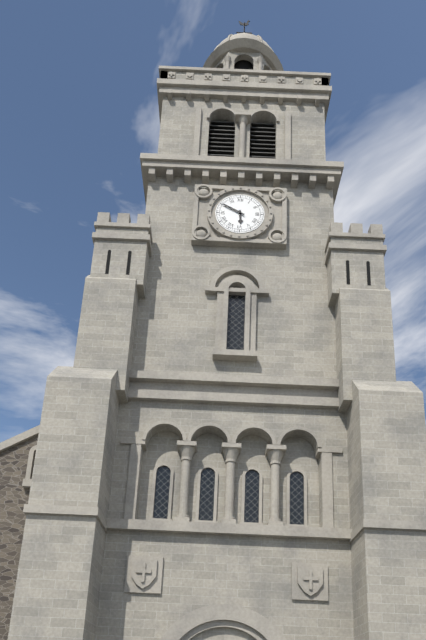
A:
**5:50**
